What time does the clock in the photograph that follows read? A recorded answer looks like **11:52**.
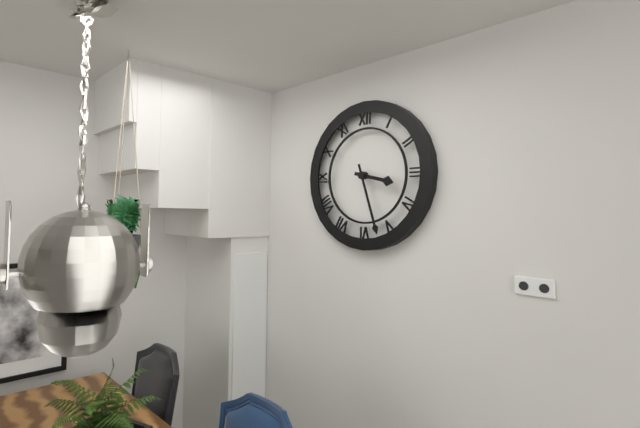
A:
**3:27**
